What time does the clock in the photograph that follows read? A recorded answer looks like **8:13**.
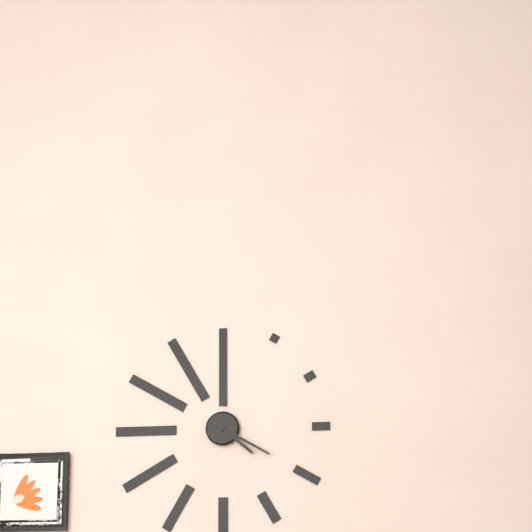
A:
**4:20**
